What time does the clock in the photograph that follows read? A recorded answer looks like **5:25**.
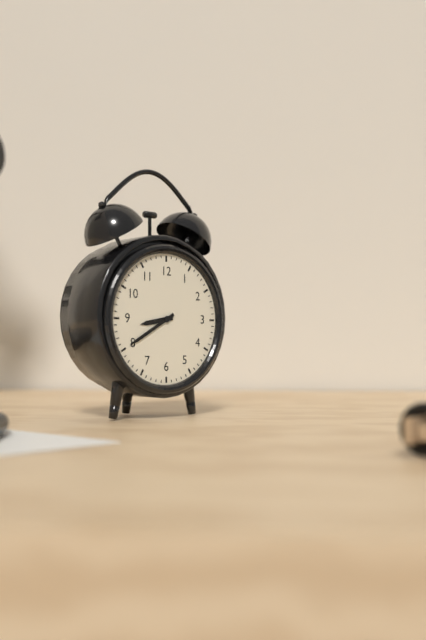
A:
**8:40**
